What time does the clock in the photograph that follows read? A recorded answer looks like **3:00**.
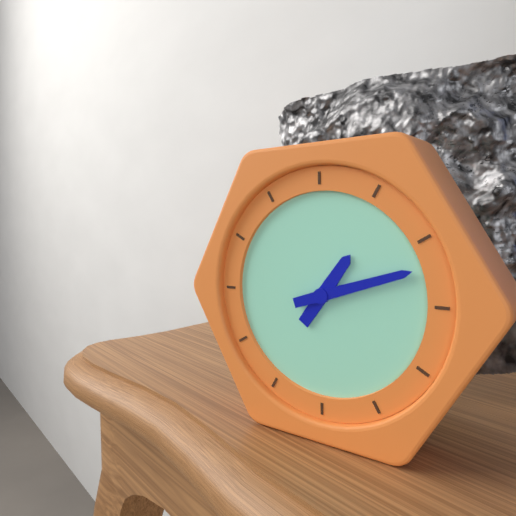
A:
**1:12**
